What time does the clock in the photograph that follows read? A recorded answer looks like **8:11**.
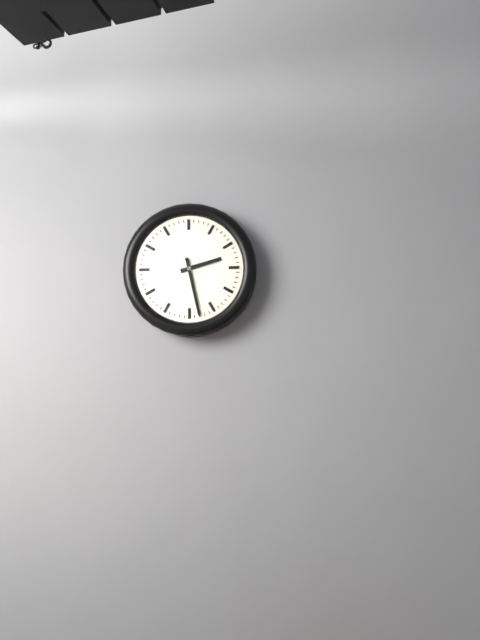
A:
**2:28**
